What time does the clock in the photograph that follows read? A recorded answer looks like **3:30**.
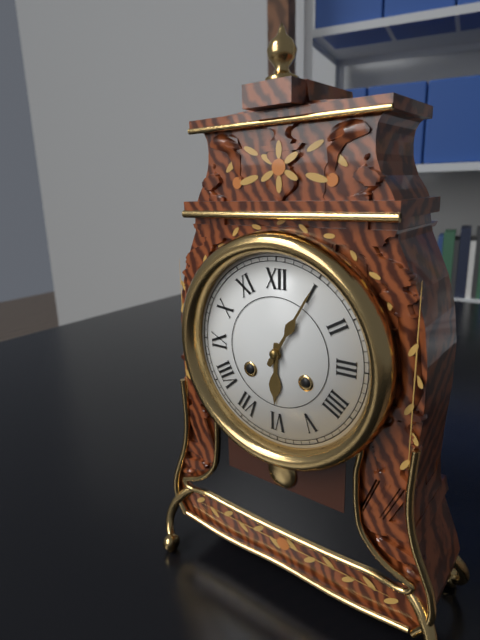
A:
**6:05**
